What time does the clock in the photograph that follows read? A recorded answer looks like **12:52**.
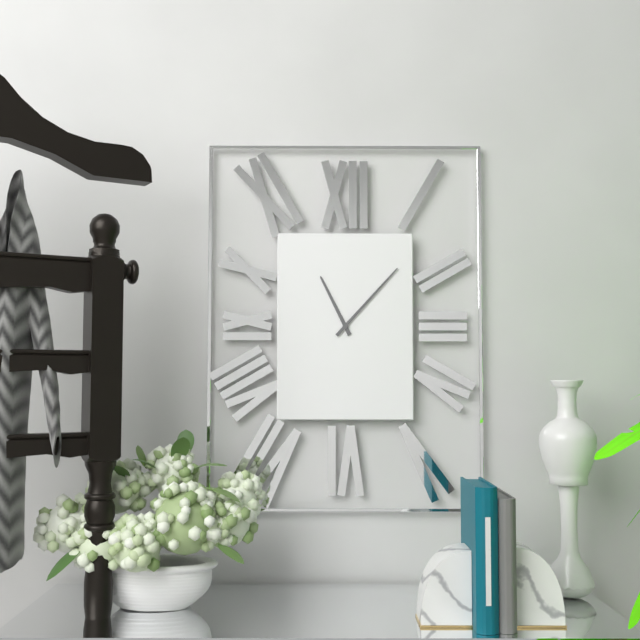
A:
**11:07**
